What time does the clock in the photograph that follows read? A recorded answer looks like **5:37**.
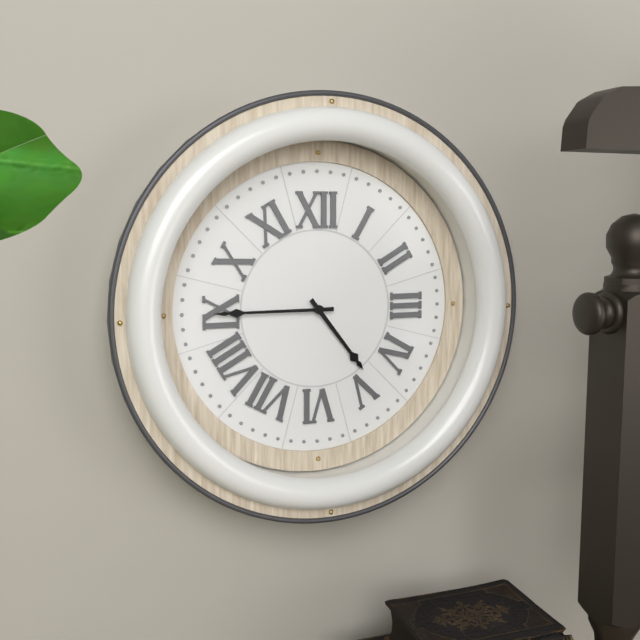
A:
**4:45**
